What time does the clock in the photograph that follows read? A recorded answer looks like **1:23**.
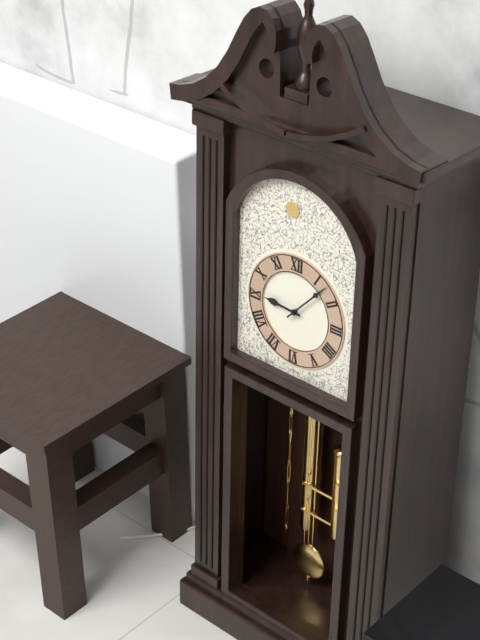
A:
**9:07**
